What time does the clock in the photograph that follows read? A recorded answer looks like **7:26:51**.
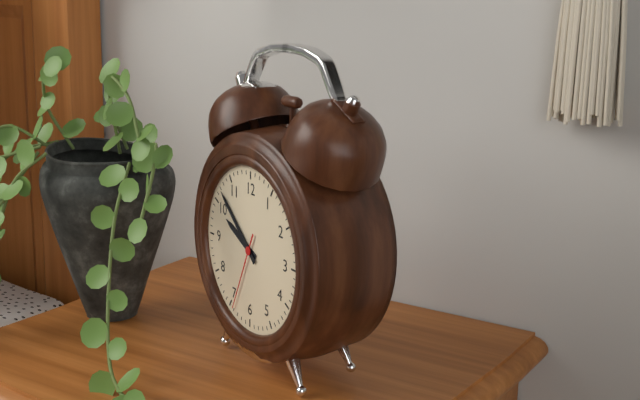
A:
**9:52:34**
